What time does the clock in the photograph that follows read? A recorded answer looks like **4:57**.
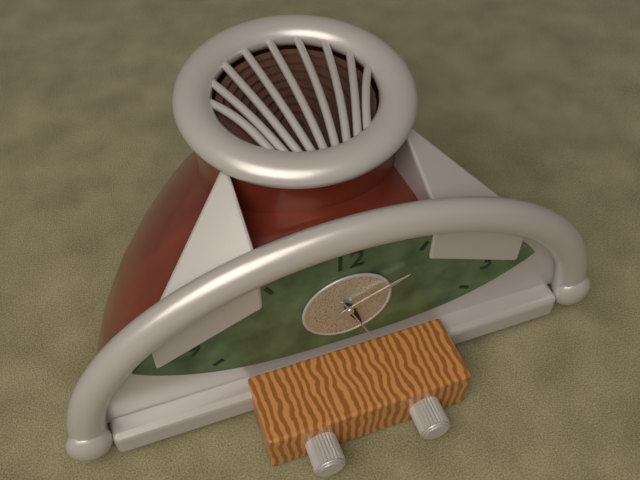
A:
**5:11**
